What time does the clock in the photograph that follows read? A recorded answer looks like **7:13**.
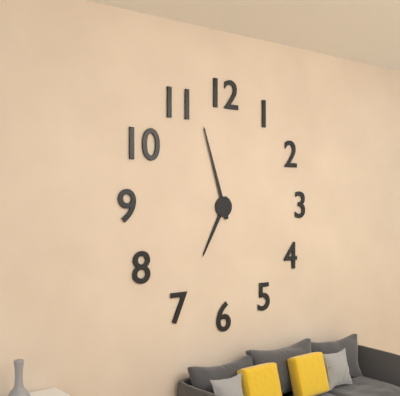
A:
**6:57**
